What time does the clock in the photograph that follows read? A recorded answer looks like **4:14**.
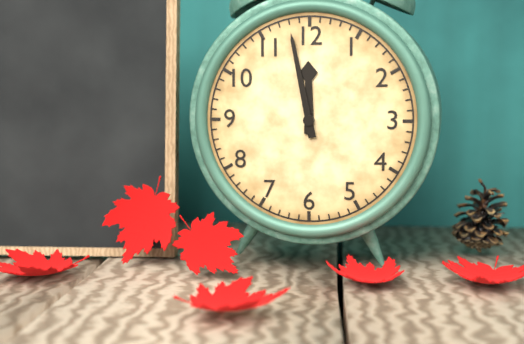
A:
**11:58**
